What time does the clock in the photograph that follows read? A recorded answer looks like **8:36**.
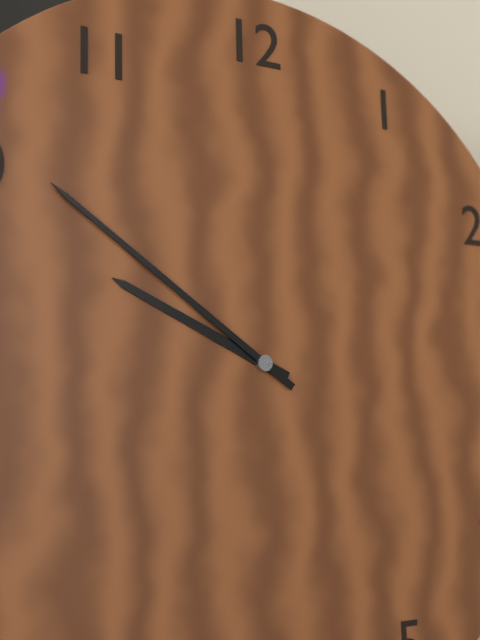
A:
**9:51**
